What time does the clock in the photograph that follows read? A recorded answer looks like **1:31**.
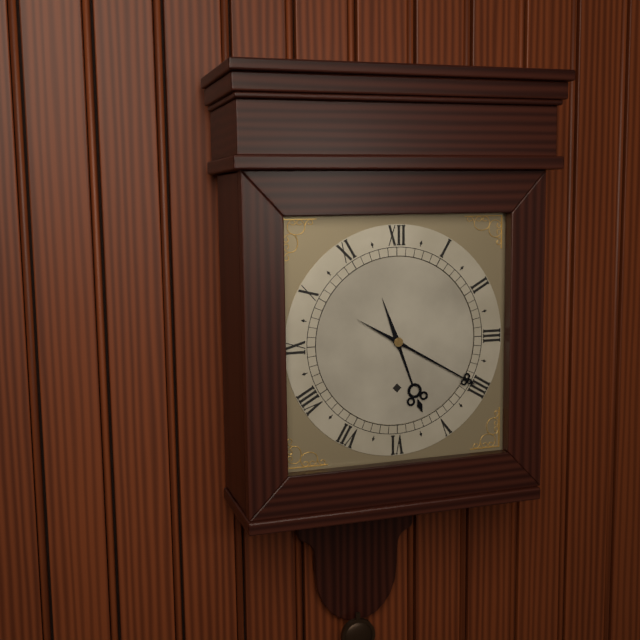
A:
**5:20**
